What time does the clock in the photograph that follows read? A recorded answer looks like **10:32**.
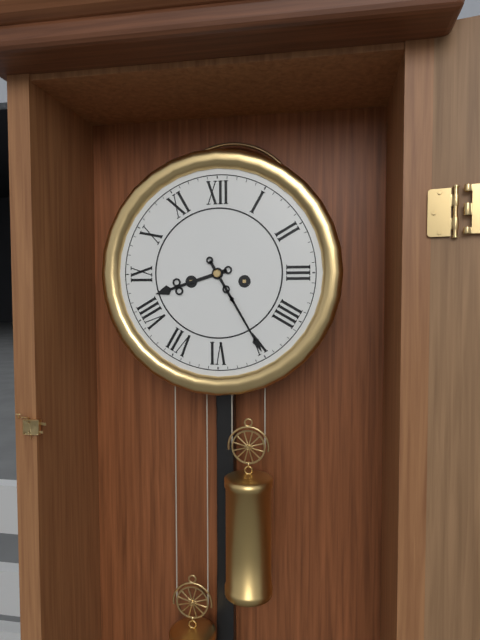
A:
**8:25**
